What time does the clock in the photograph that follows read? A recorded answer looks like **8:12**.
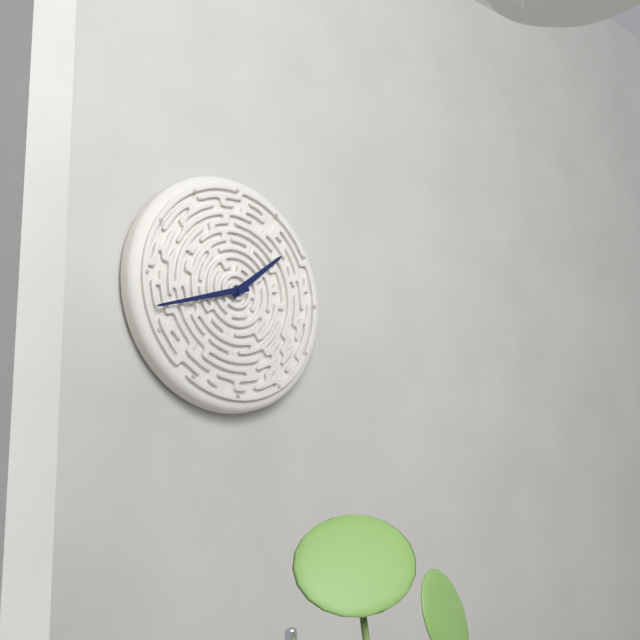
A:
**1:42**
